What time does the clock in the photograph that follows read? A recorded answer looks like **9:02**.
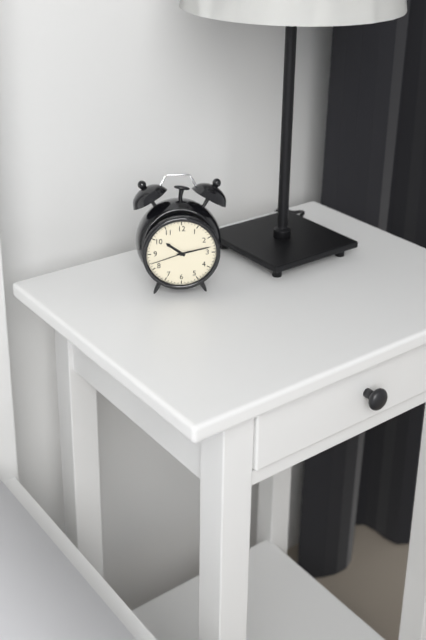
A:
**10:13**
